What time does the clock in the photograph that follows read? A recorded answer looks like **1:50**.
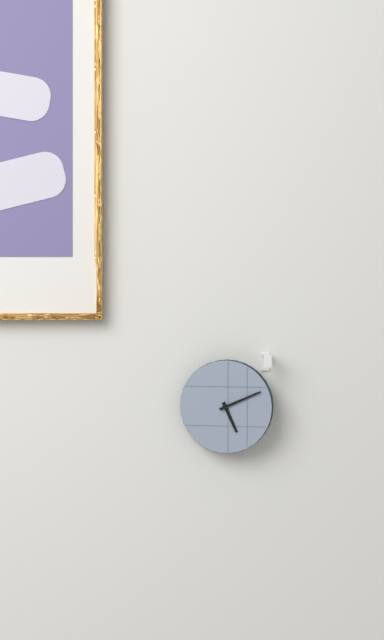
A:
**5:11**
